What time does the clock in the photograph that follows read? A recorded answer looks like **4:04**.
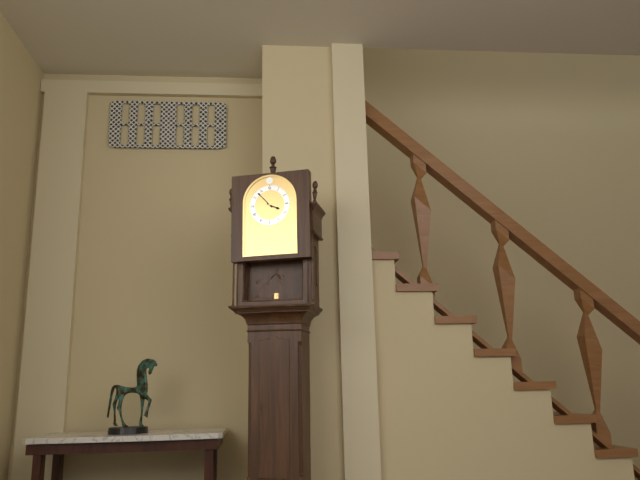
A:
**3:53**
